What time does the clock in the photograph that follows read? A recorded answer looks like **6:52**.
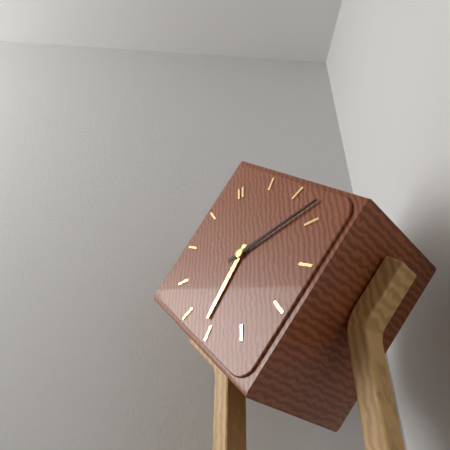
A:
**7:13**
